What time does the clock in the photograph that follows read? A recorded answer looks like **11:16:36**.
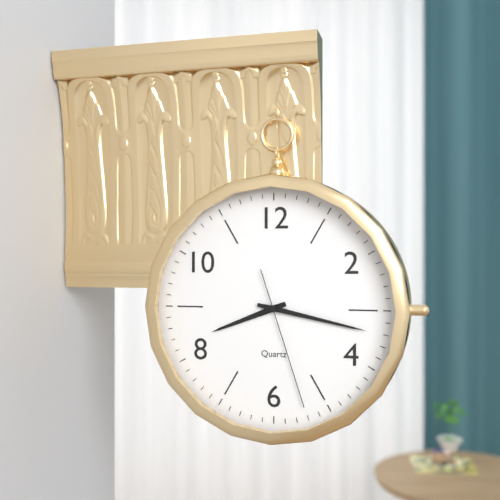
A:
**8:17:27**
